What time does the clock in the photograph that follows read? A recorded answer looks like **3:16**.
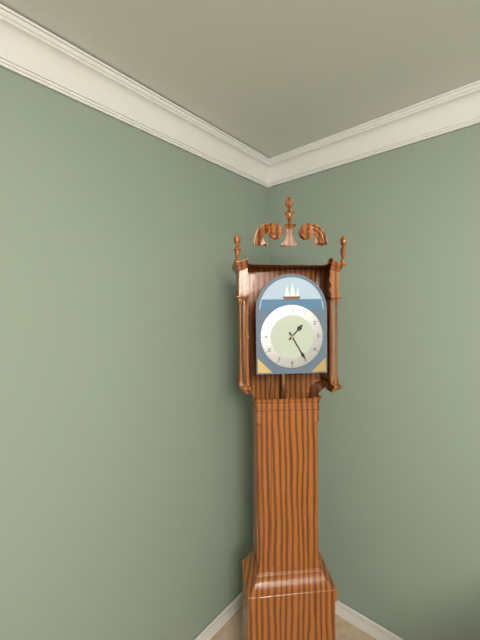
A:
**1:25**
